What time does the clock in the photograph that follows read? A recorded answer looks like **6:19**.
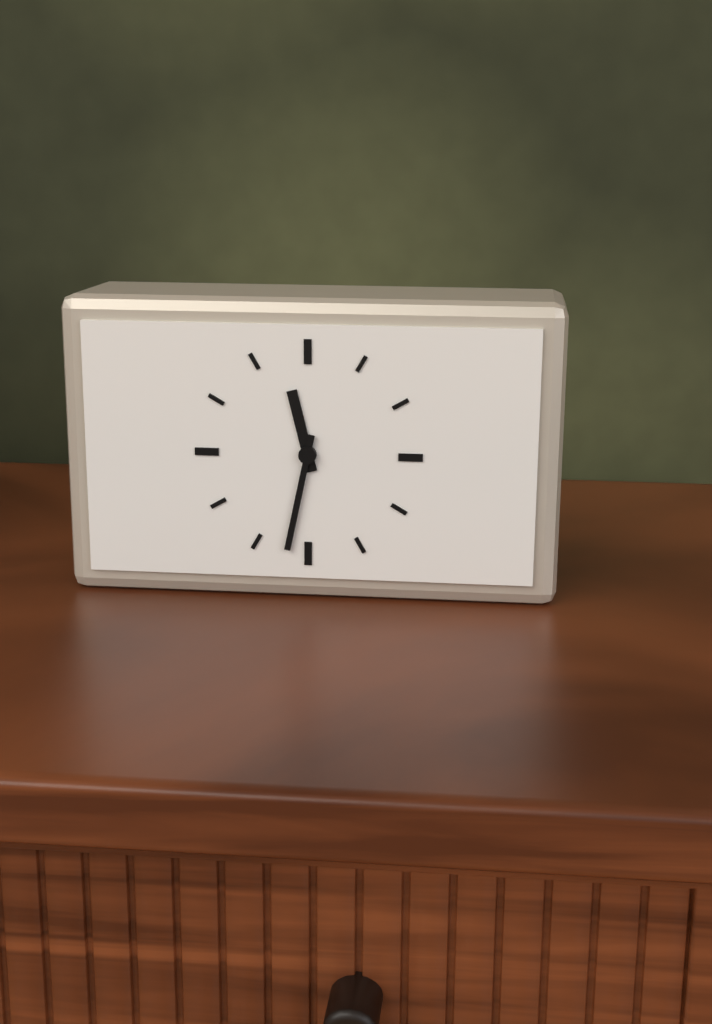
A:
**11:32**
